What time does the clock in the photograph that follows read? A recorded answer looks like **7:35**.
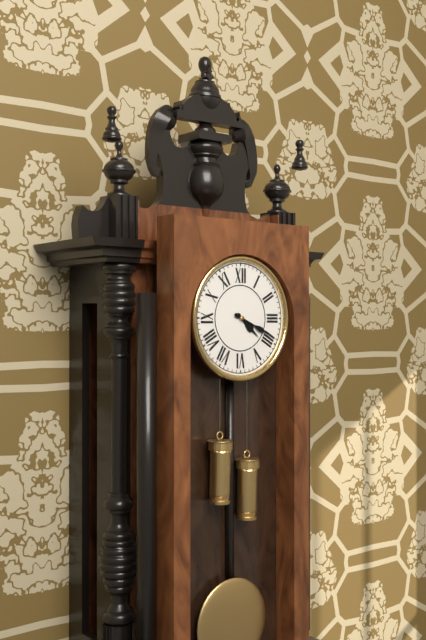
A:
**4:19**
